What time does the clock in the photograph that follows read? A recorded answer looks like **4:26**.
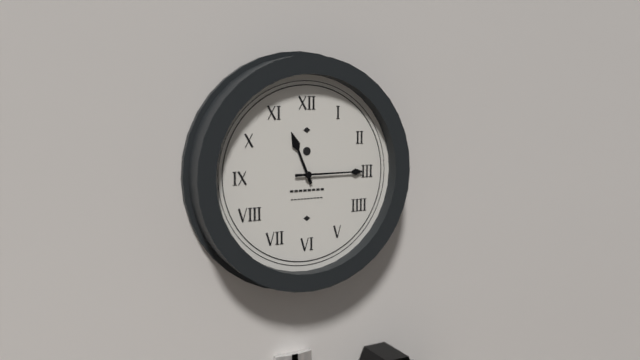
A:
**11:15**
